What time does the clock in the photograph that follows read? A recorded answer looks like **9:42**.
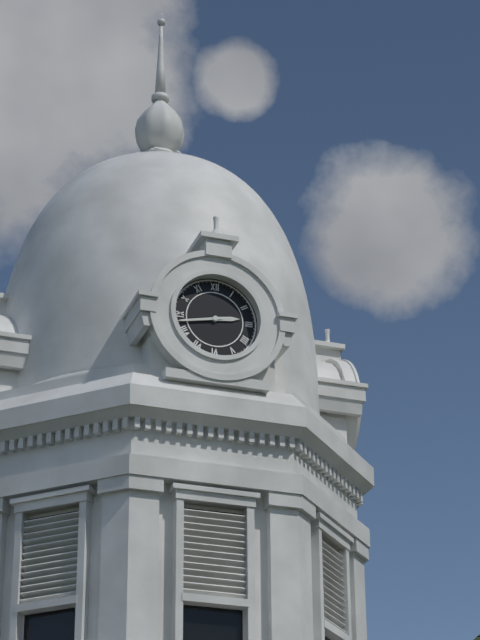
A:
**2:43**
